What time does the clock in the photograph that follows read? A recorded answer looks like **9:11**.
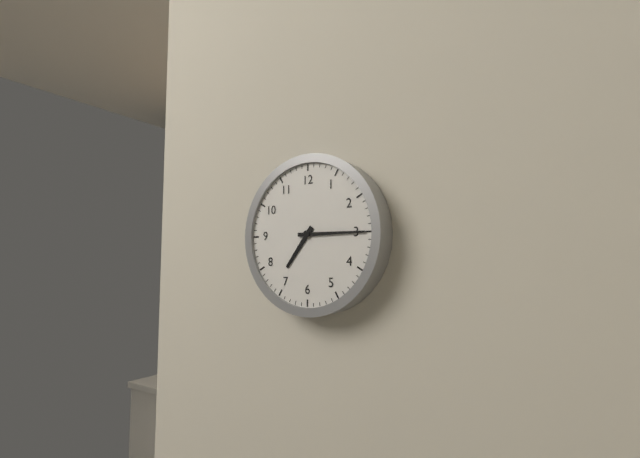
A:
**7:15**
